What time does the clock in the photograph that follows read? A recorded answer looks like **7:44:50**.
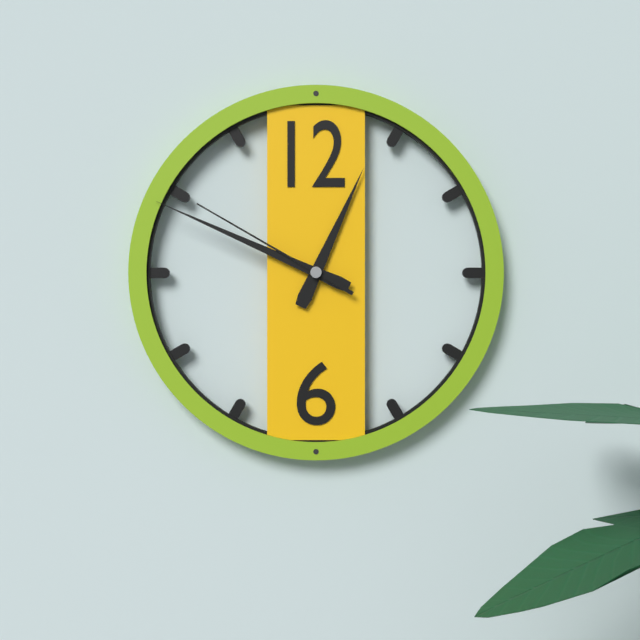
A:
**12:49:50**
